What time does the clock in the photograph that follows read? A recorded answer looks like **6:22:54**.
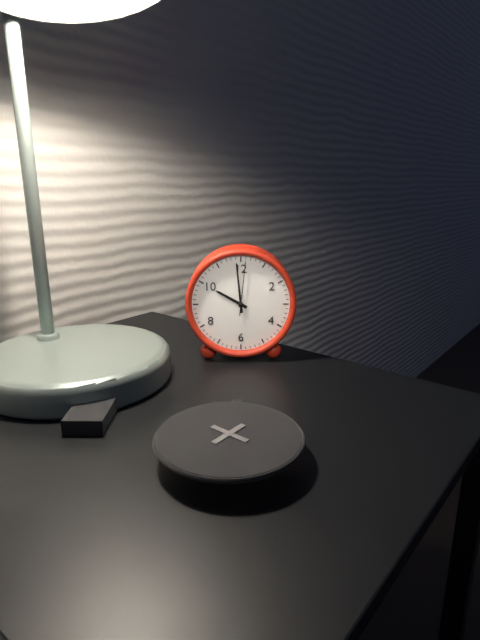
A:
**9:59:01**
